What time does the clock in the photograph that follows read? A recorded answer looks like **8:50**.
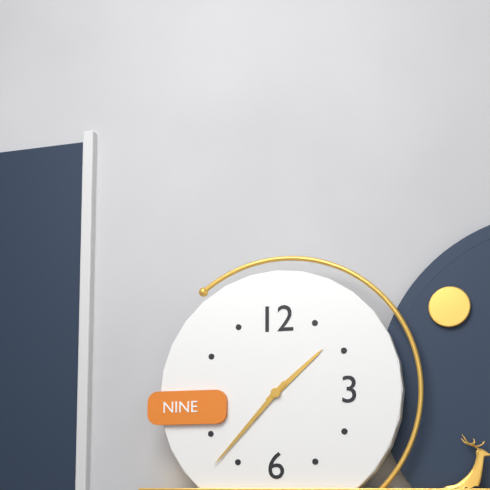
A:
**1:37**
